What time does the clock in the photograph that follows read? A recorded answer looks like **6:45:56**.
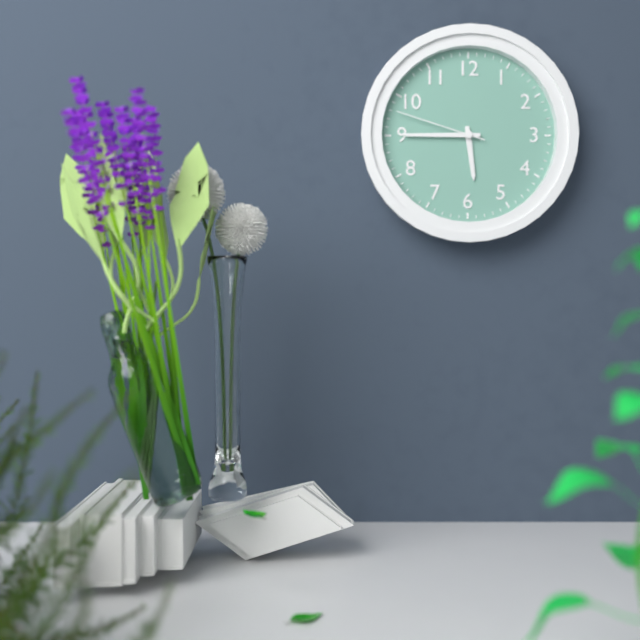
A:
**5:45:48**
